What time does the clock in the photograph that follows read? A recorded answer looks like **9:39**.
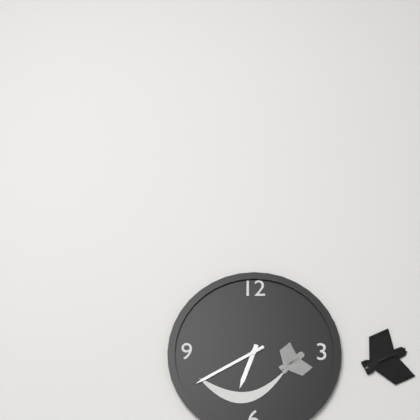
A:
**6:40**
